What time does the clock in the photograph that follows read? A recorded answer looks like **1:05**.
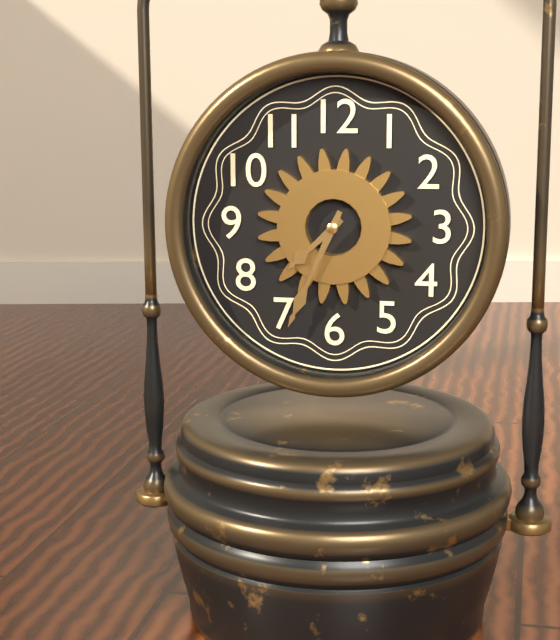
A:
**7:34**
